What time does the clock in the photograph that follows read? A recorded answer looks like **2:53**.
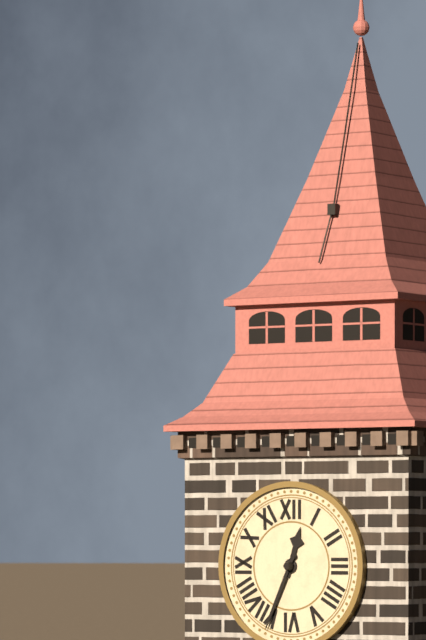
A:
**12:34**
